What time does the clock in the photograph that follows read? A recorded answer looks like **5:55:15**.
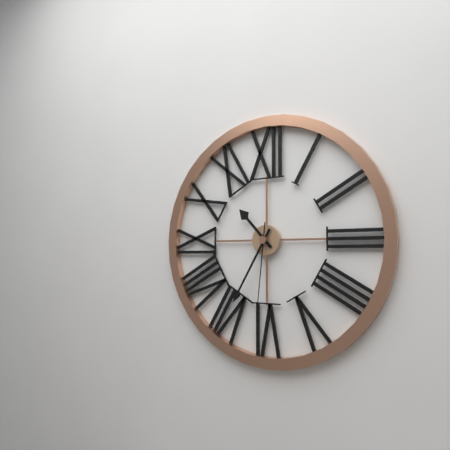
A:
**10:35:31**
